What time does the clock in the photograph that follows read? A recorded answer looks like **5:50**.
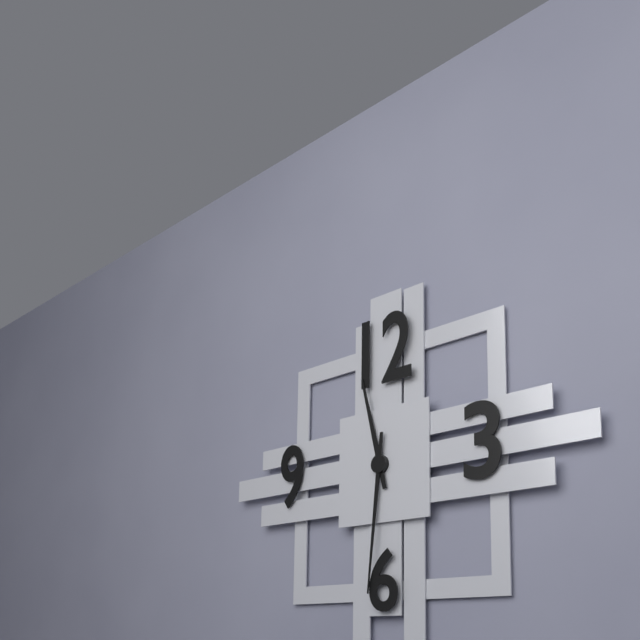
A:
**11:31**
